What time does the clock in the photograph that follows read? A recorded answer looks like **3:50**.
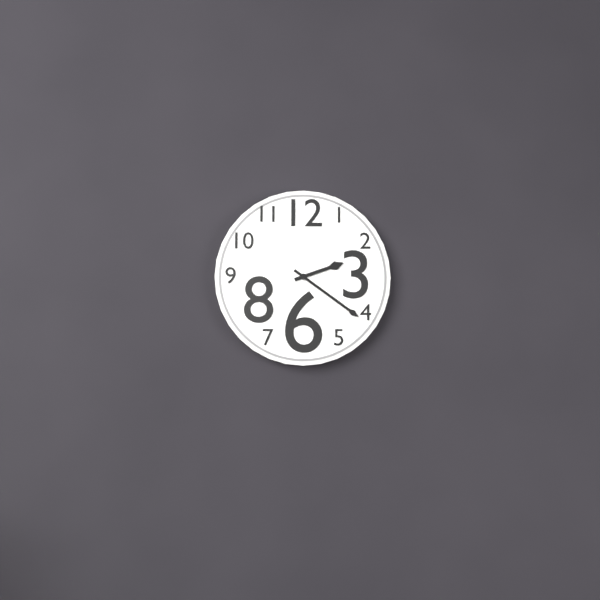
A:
**2:21**
